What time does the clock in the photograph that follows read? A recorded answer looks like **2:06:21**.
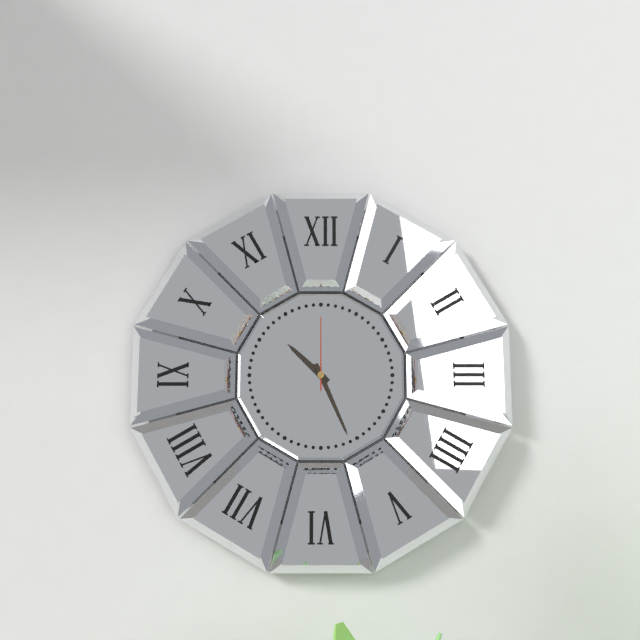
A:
**10:26:00**
